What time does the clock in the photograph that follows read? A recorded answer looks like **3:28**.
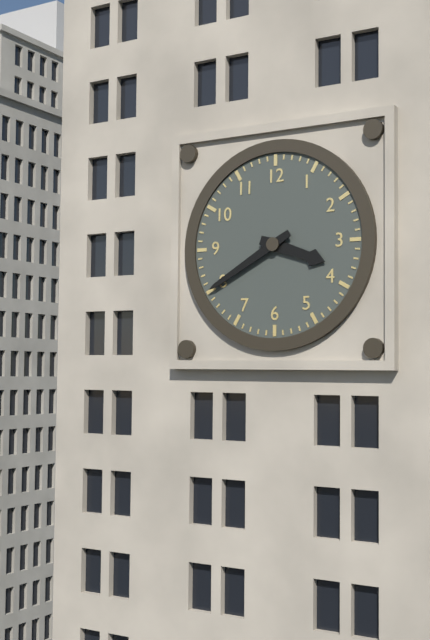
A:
**3:40**
